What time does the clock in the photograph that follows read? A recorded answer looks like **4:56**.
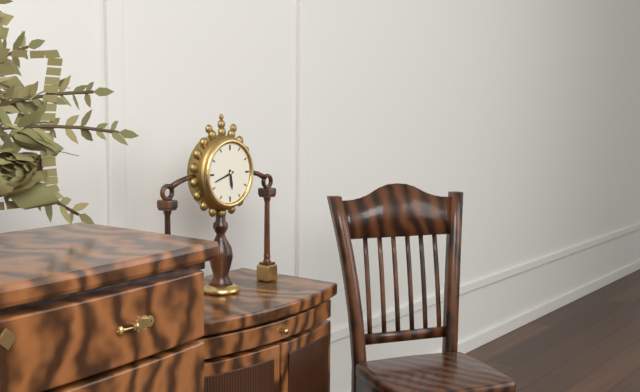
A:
**5:42**
